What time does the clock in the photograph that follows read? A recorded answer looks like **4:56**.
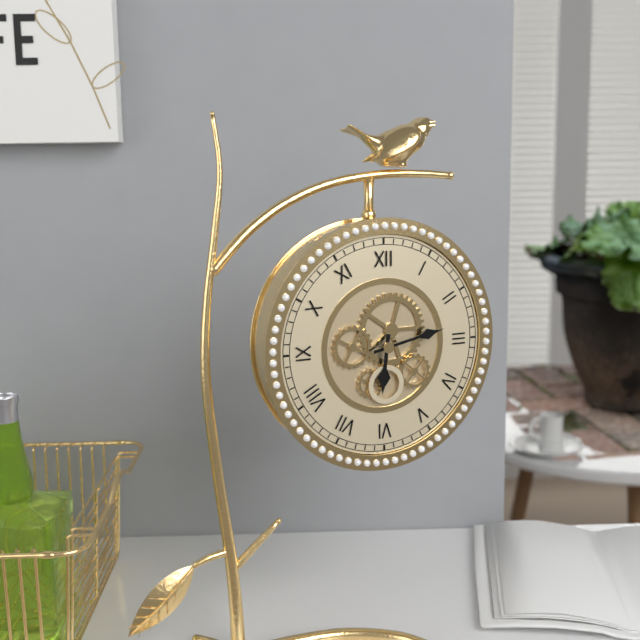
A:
**6:13**
